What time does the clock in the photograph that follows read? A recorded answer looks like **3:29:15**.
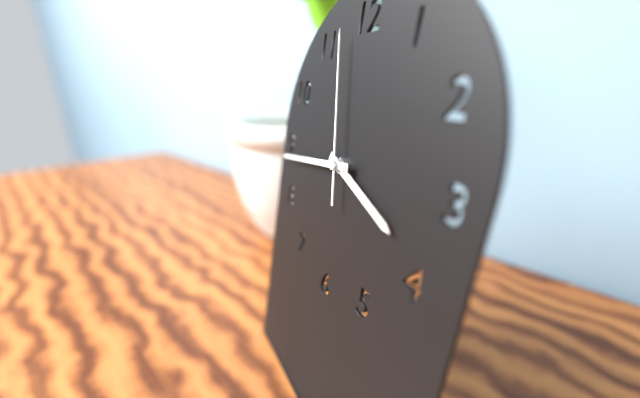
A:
**3:44:58**
